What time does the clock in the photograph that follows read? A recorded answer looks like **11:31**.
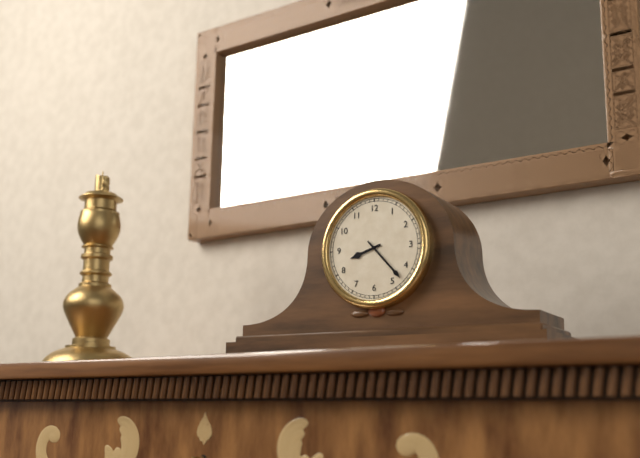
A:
**8:23**
